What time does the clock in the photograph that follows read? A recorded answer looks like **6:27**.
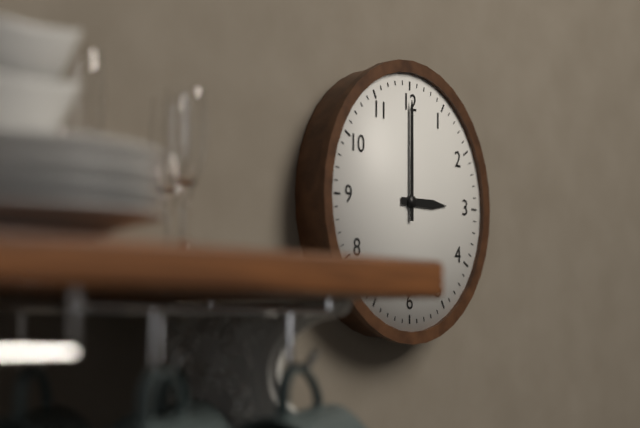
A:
**3:00**
